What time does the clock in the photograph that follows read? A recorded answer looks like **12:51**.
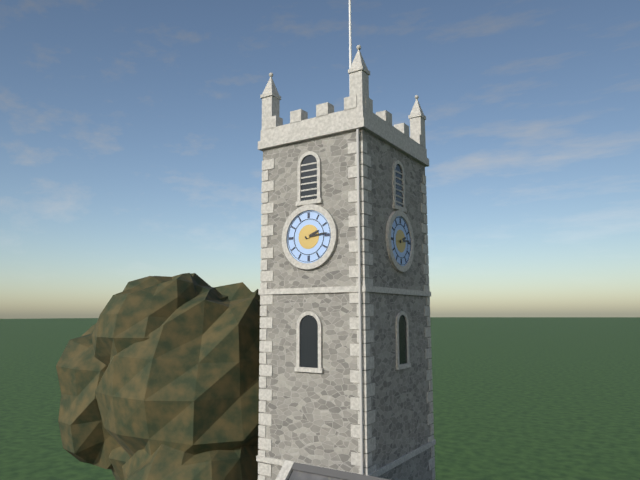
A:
**2:14**
